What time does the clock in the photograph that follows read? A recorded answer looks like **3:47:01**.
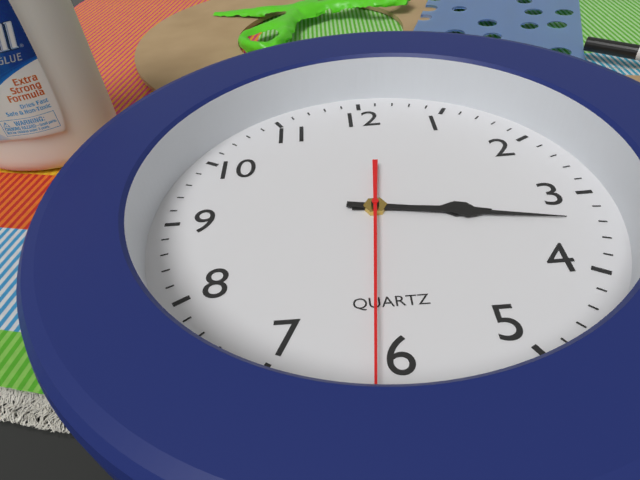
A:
**3:17:31**
